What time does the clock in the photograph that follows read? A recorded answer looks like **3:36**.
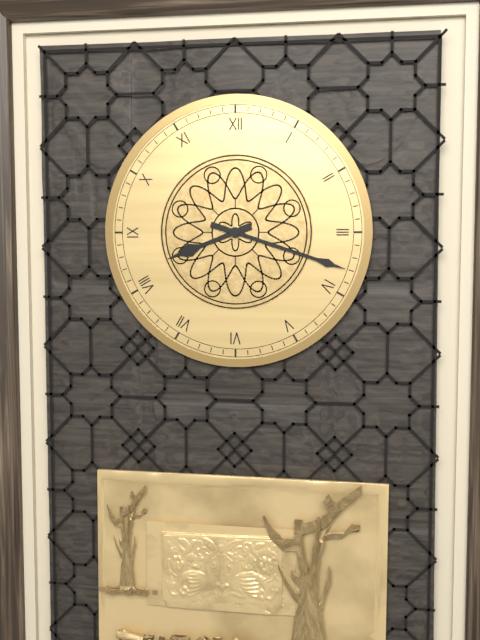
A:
**8:18**
